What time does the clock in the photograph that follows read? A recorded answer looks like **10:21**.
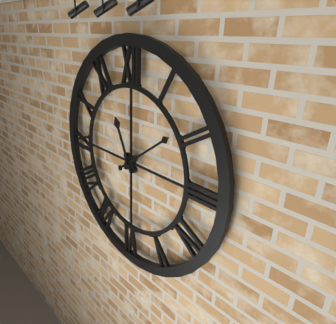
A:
**11:09**
